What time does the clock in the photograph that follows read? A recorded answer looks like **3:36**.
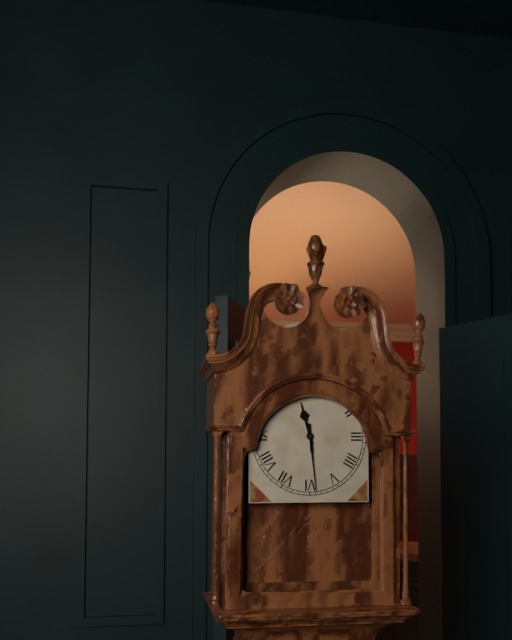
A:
**11:29**
